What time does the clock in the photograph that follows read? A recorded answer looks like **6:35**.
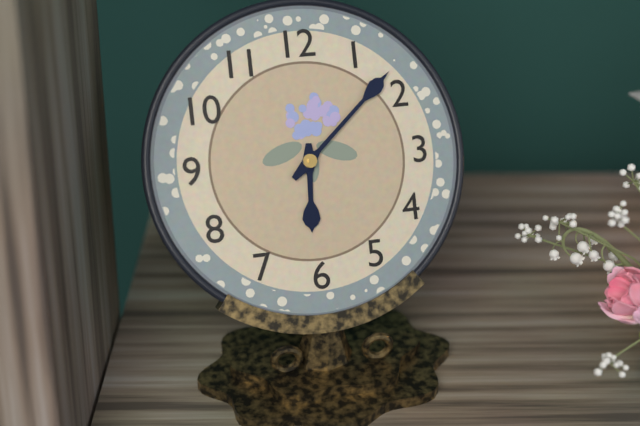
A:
**6:08**
